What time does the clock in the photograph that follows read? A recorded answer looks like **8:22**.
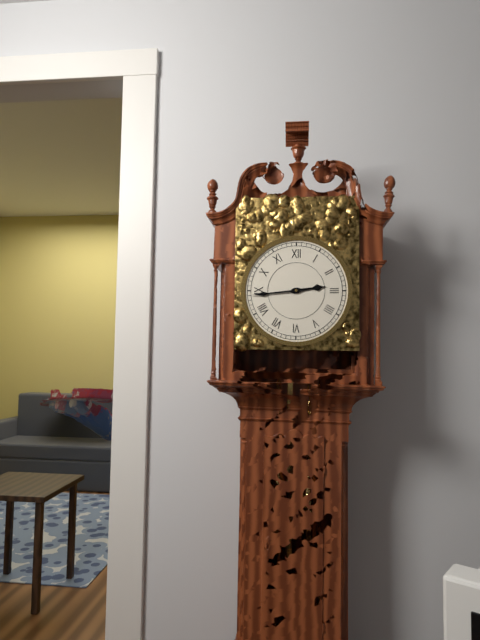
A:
**2:44**
